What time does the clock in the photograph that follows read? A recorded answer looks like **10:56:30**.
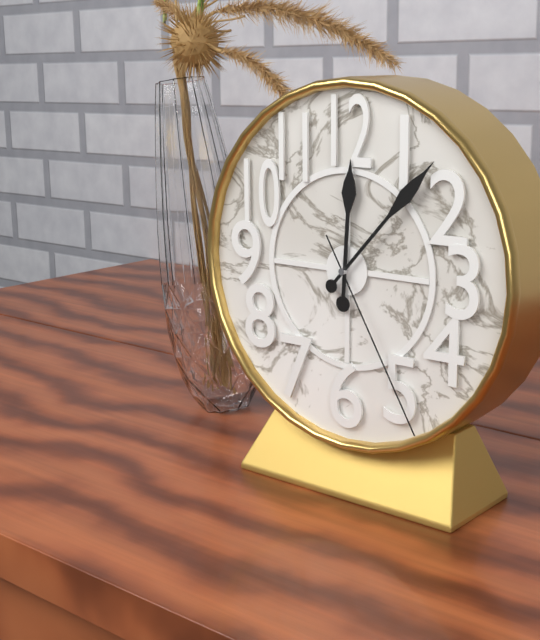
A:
**12:07:25**
